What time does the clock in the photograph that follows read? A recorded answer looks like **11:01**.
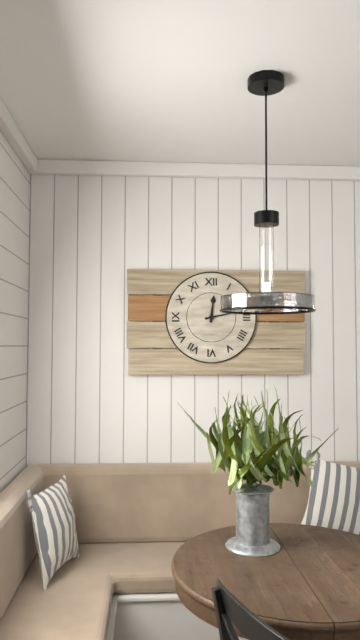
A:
**12:13**
